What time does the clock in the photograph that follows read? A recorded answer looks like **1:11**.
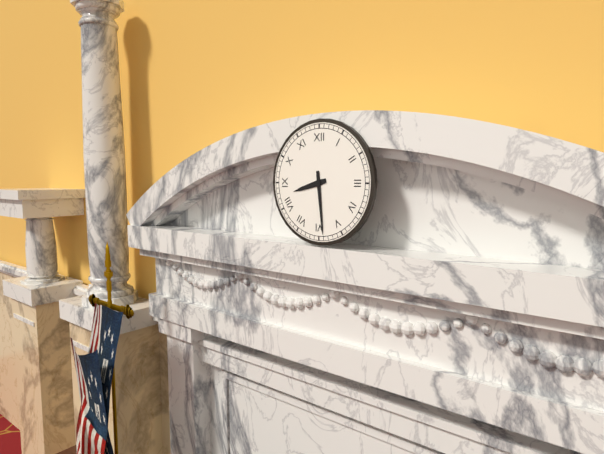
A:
**8:29**
